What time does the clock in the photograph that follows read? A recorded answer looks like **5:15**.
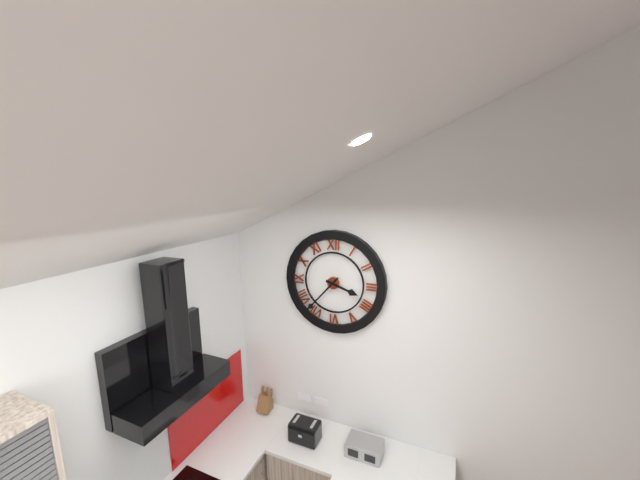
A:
**3:37**
